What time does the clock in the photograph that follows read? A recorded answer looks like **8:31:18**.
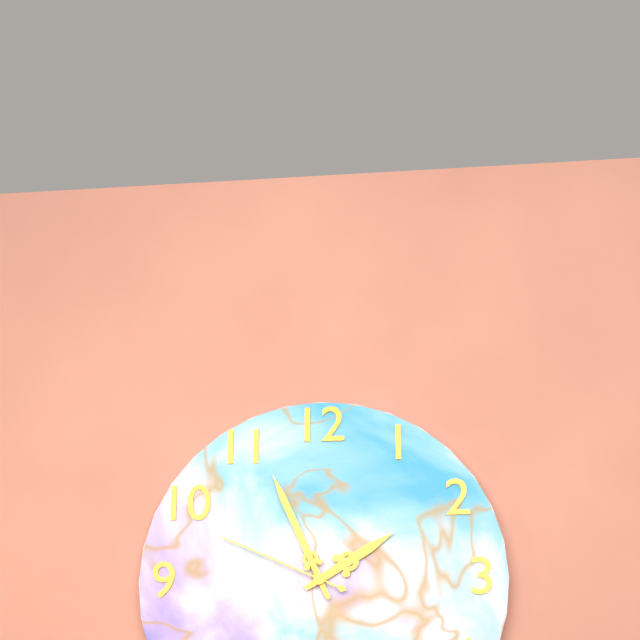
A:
**1:56:49**
